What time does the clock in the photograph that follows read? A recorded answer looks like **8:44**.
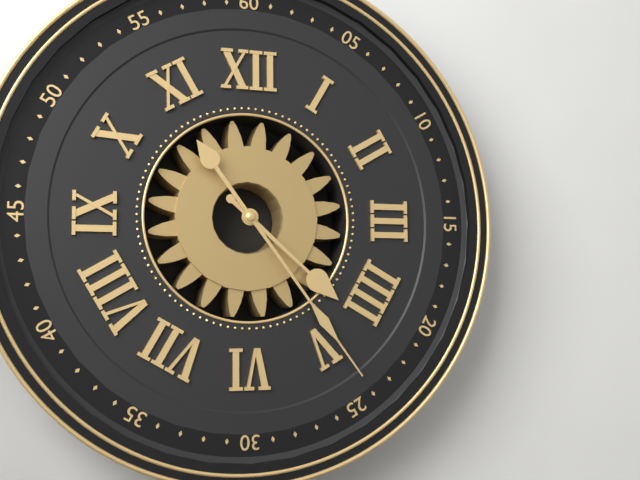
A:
**4:24**
